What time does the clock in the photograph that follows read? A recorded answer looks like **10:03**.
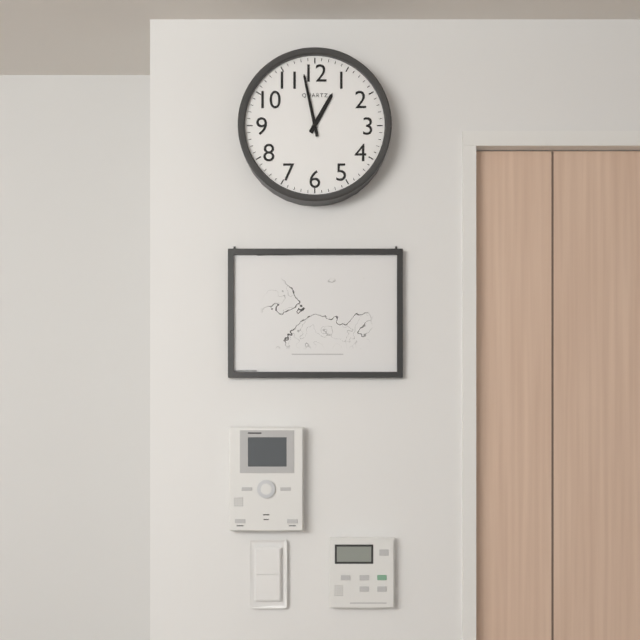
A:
**12:58**
